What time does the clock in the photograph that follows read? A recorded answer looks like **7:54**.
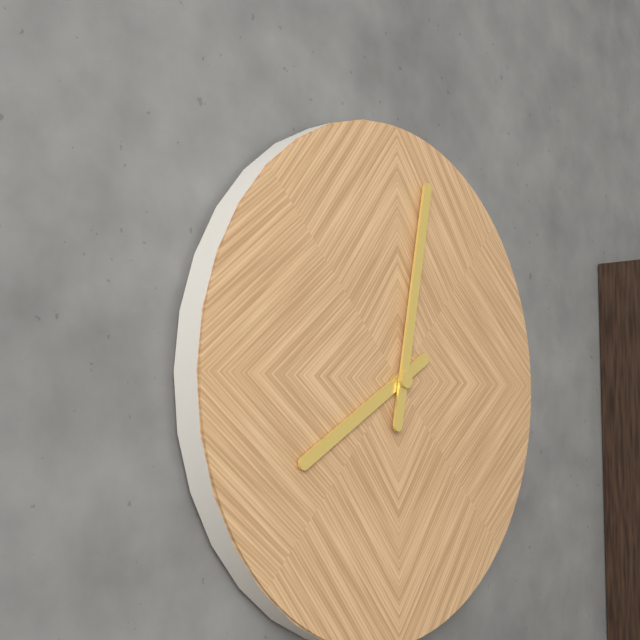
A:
**8:02**
